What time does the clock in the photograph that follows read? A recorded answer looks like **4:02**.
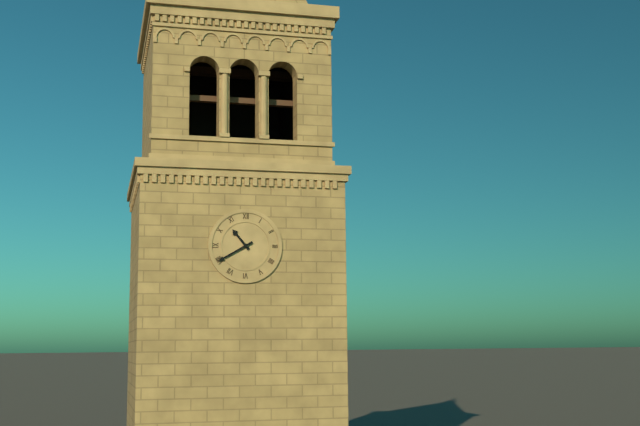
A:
**10:40**
